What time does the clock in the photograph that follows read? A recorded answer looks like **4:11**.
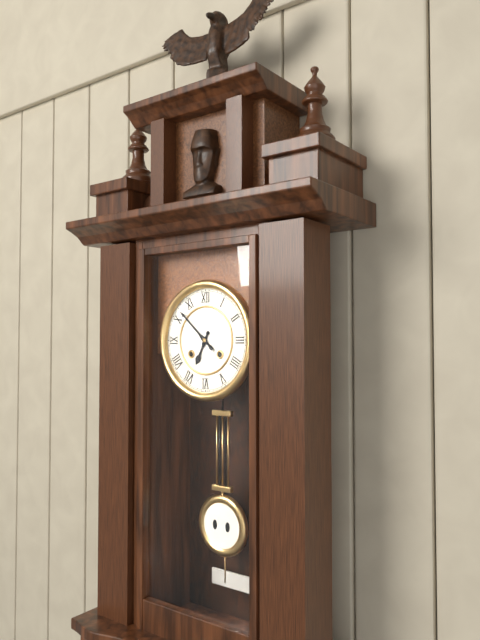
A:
**6:52**
